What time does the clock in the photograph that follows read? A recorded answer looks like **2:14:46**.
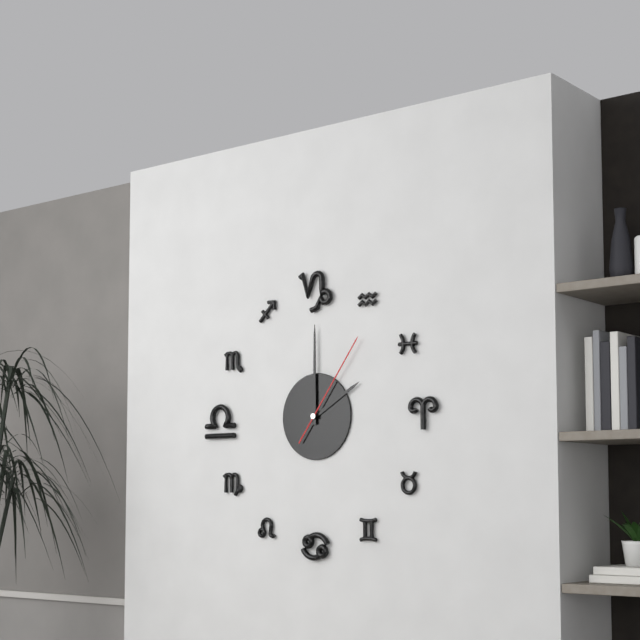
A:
**2:00:06**
